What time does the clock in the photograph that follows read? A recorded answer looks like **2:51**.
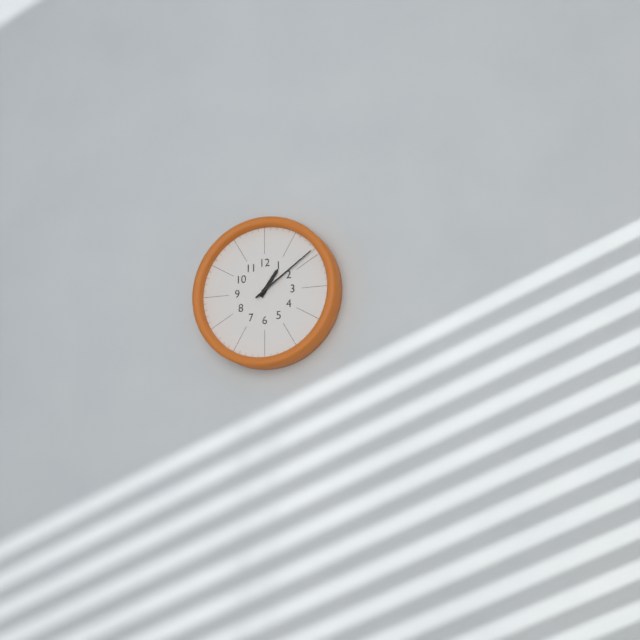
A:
**1:09**
